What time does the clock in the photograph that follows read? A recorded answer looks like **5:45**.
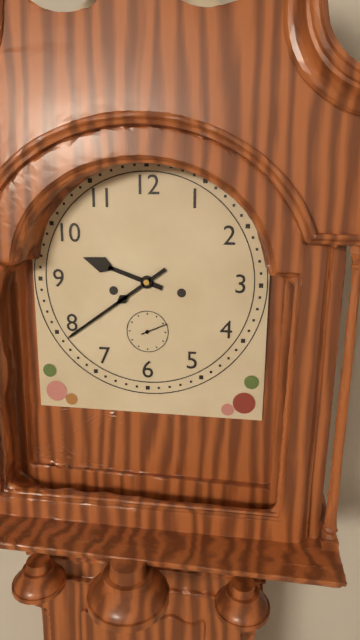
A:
**9:39**
